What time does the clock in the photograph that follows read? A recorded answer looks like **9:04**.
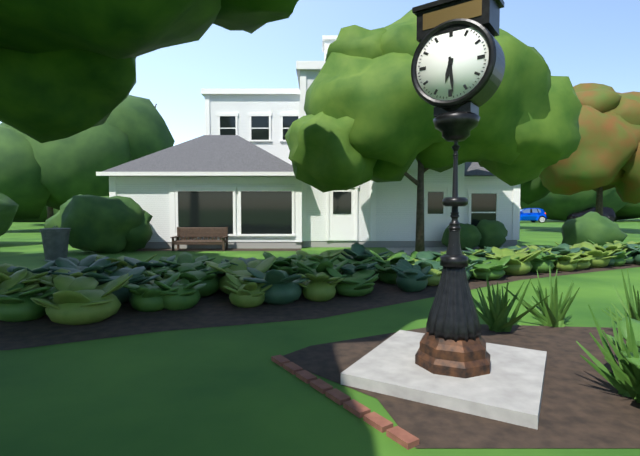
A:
**6:29**
